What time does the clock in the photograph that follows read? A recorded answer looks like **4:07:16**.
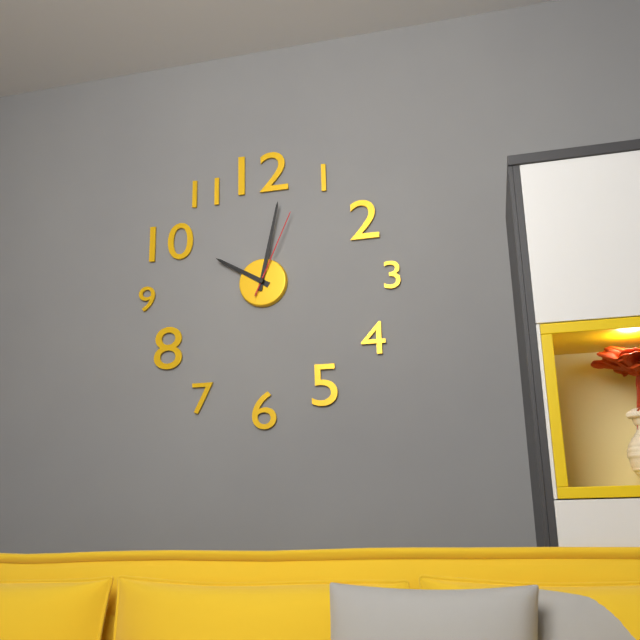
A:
**10:02:04**
